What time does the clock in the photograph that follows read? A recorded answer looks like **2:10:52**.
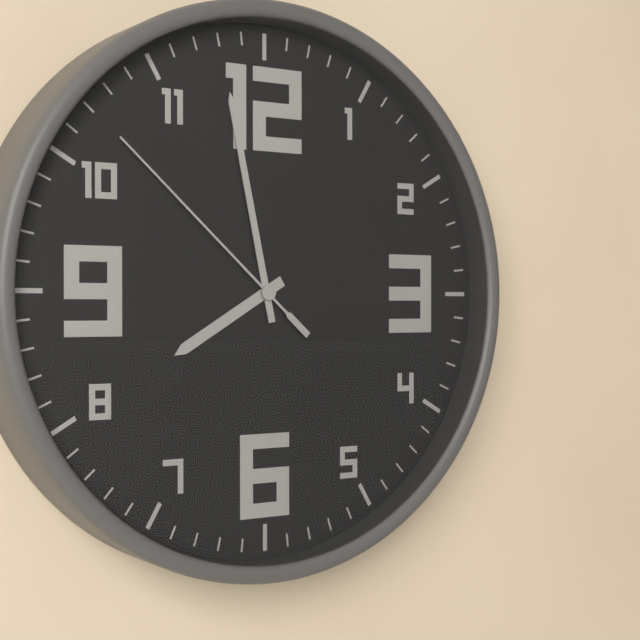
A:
**7:58:52**
